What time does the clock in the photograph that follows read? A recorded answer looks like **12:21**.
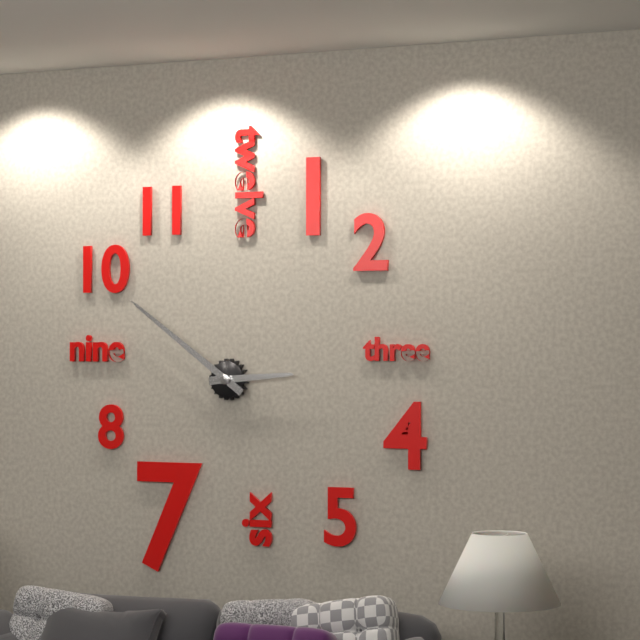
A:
**2:51**
